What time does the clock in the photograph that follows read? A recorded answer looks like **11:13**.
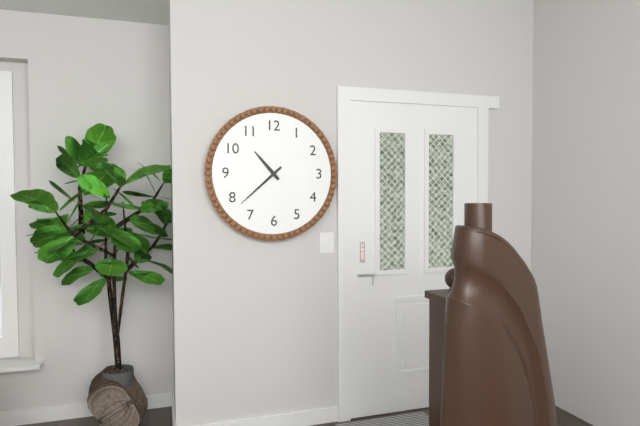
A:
**10:38**
